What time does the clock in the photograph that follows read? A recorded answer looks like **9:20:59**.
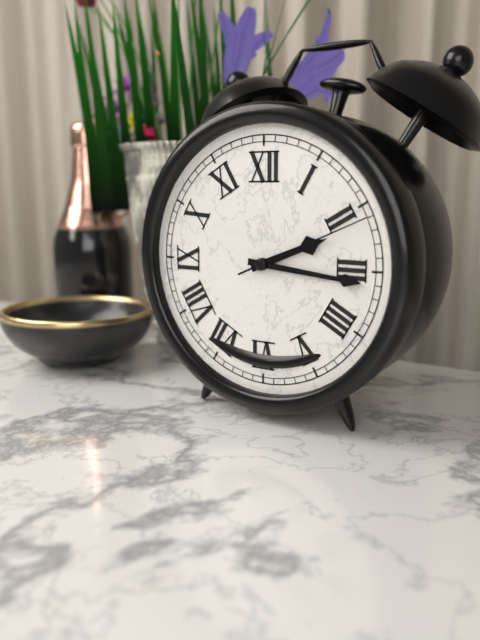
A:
**2:16:11**
